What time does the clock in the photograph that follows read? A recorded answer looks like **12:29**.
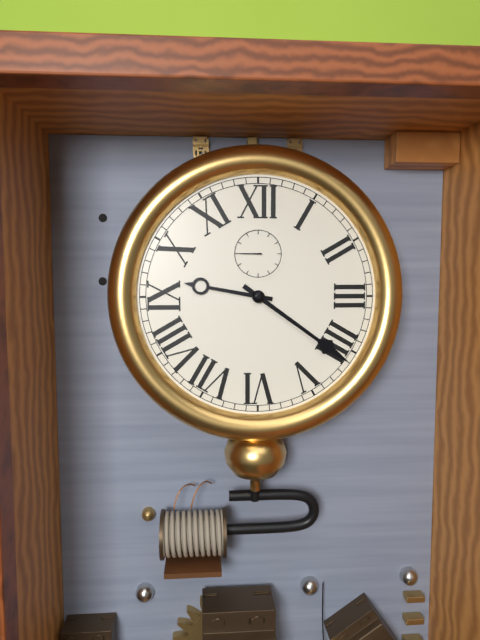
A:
**9:21**
